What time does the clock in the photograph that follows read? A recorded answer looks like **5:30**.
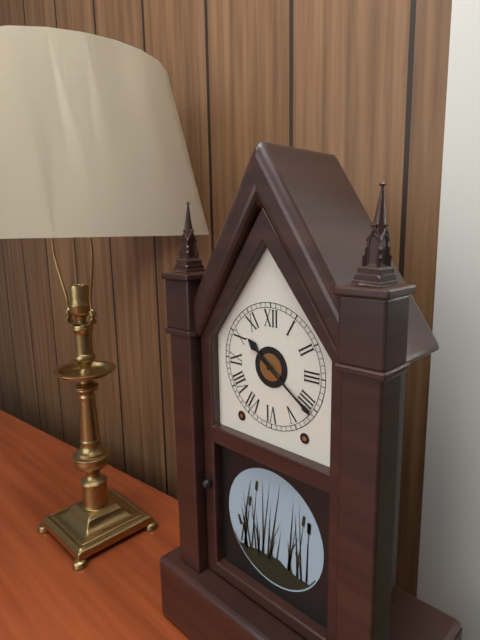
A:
**10:21**
